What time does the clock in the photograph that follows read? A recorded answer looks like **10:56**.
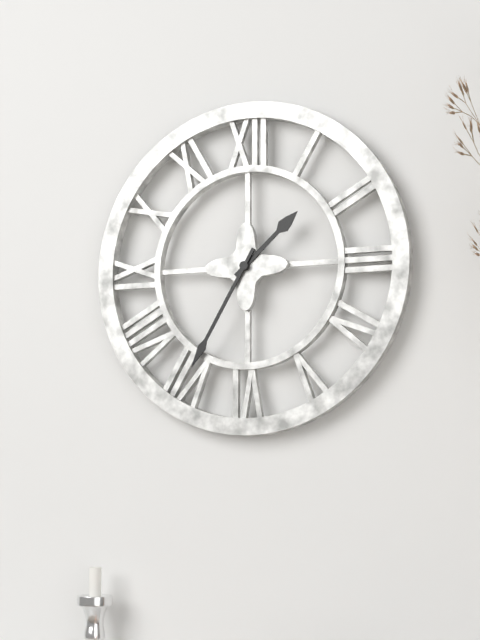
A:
**1:35**
